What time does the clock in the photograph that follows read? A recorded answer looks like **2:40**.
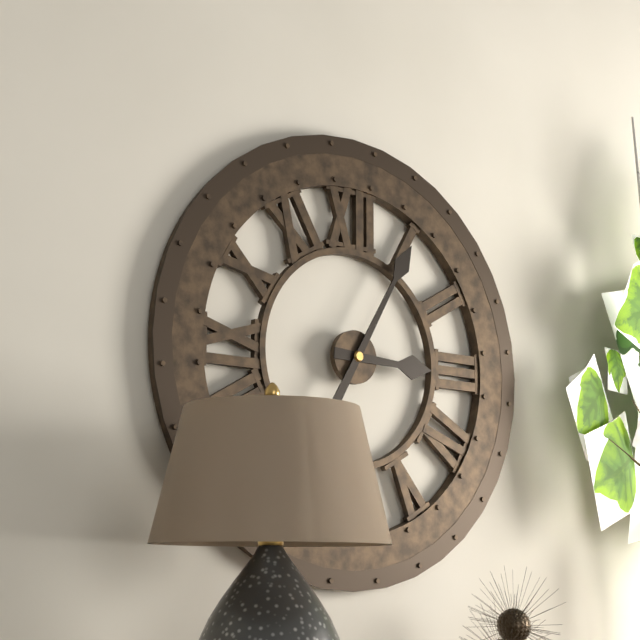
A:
**3:05**
